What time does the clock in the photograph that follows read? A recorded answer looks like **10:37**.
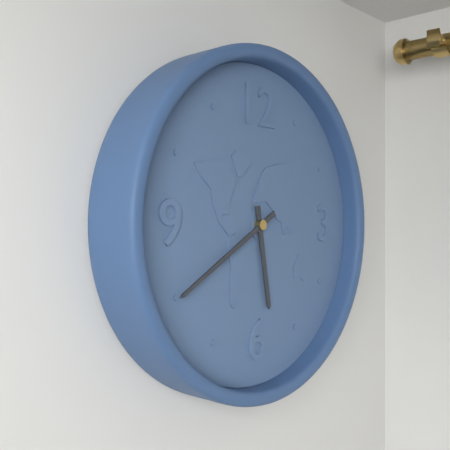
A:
**5:40**
